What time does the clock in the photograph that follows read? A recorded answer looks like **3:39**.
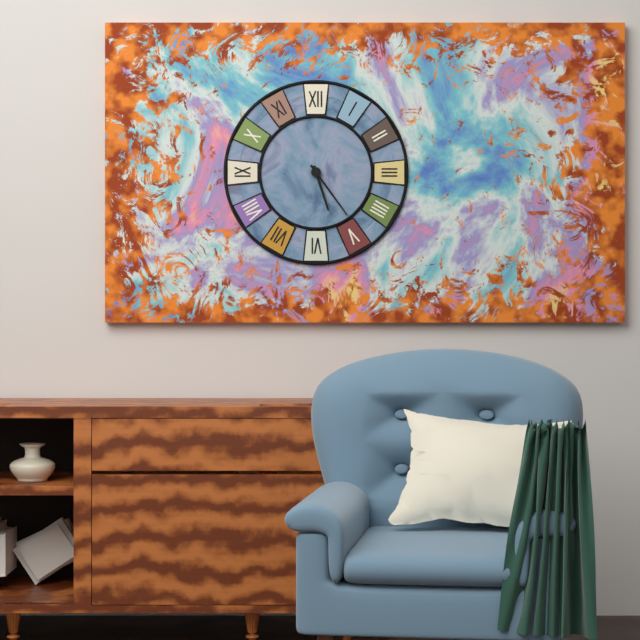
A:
**5:24**
